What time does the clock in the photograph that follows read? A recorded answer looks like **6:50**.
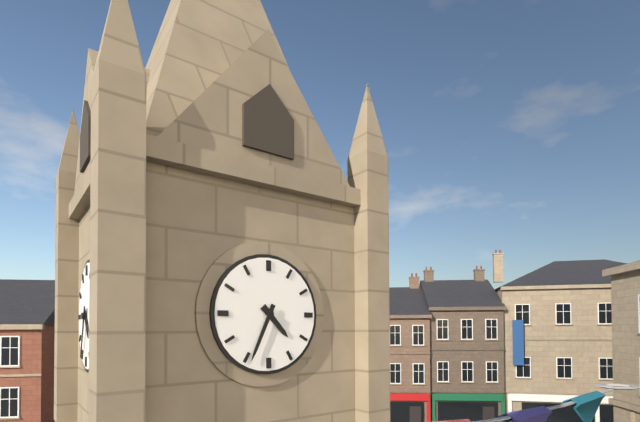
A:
**4:34**
